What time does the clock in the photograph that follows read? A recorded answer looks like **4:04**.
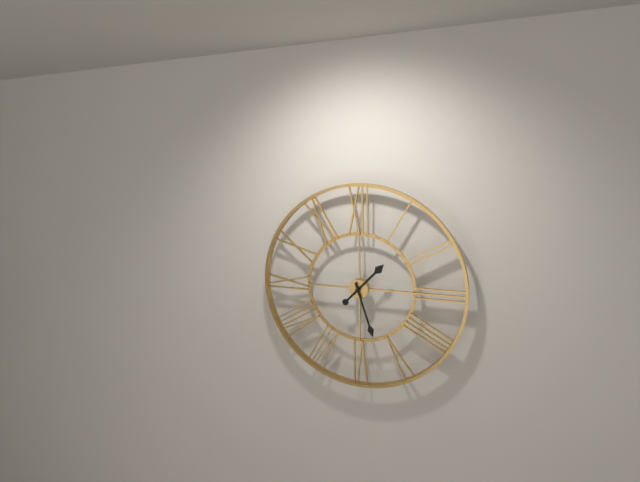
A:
**1:27**
